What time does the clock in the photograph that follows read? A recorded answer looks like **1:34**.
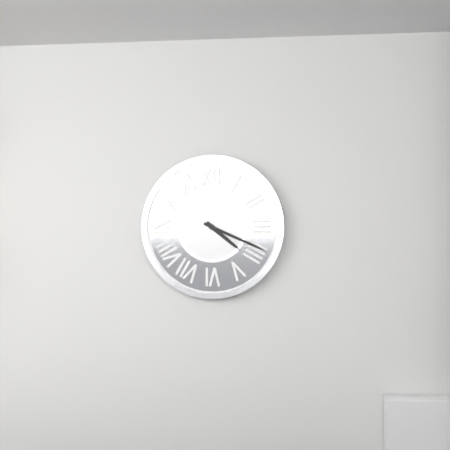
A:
**4:19**
